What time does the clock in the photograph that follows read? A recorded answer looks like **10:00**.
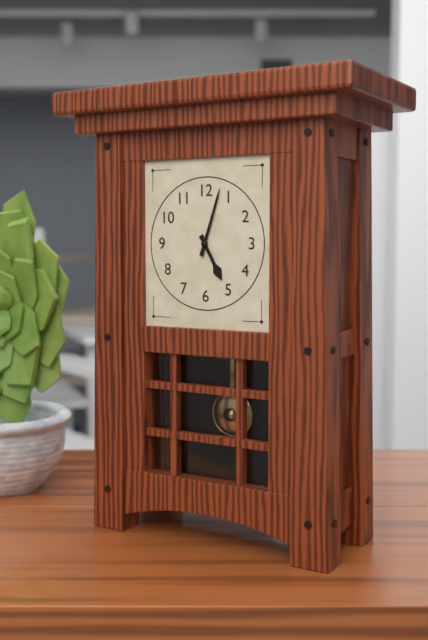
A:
**5:03**
